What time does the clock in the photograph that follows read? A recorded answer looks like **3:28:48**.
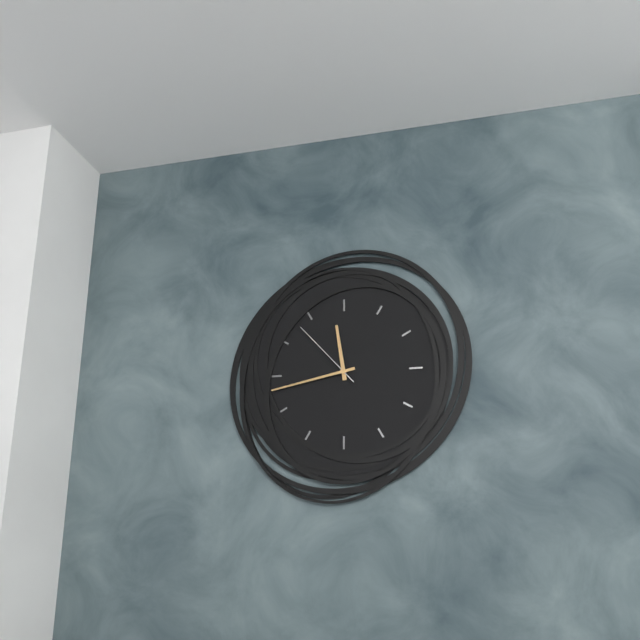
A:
**11:43:53**
